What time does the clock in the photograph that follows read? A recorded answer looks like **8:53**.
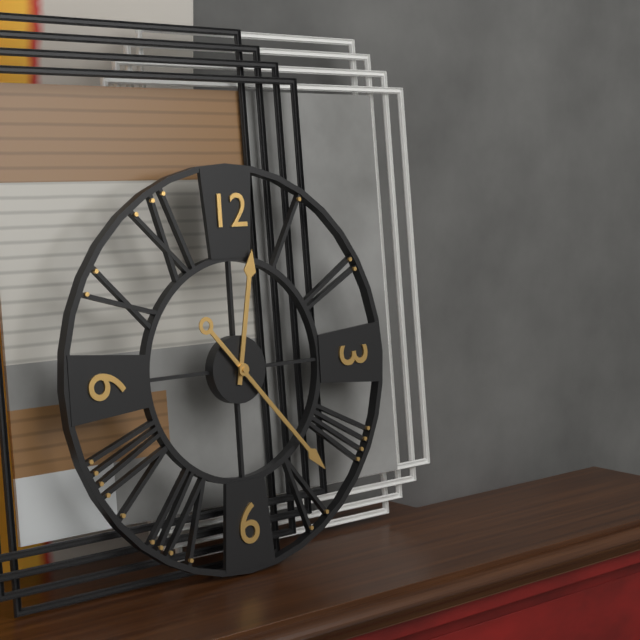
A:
**12:23**
